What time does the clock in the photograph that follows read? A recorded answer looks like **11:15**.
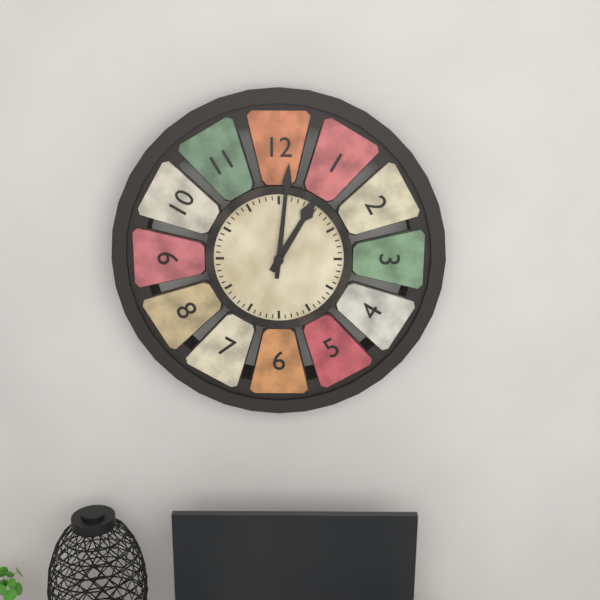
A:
**1:01**
